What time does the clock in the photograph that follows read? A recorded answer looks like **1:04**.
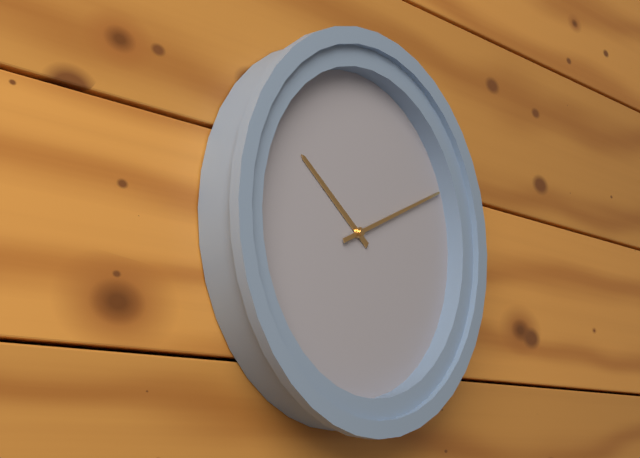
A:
**10:11**
